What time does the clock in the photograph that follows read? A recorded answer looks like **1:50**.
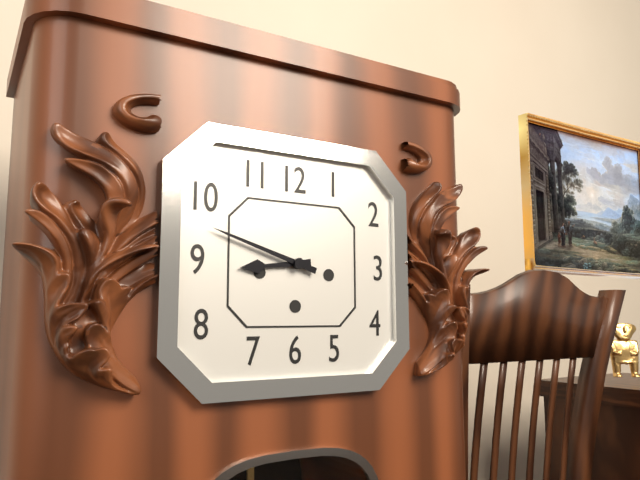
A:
**8:48**
